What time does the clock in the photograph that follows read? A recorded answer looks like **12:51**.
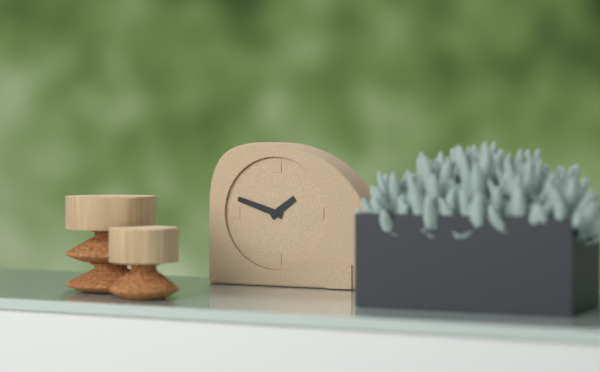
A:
**1:48**
